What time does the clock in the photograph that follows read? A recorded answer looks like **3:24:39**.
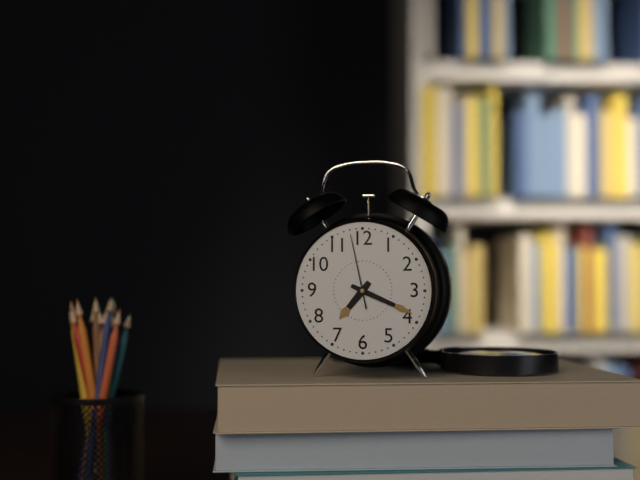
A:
**7:19:58**
